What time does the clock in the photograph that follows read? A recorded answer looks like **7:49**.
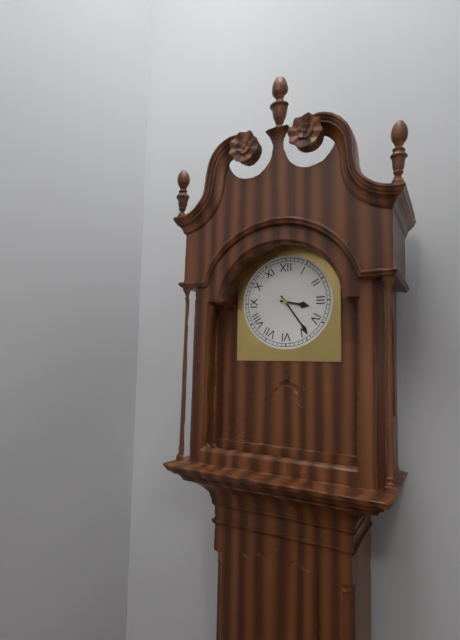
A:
**3:24**
